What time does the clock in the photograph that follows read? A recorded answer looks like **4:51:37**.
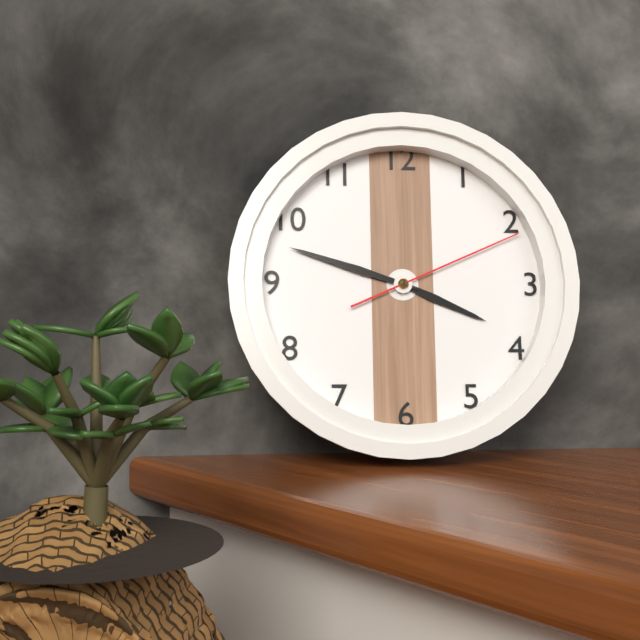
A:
**3:48:11**
